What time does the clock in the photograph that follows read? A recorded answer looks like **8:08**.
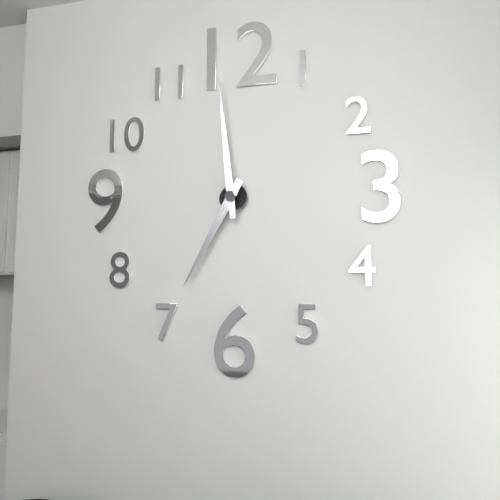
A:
**6:59**
